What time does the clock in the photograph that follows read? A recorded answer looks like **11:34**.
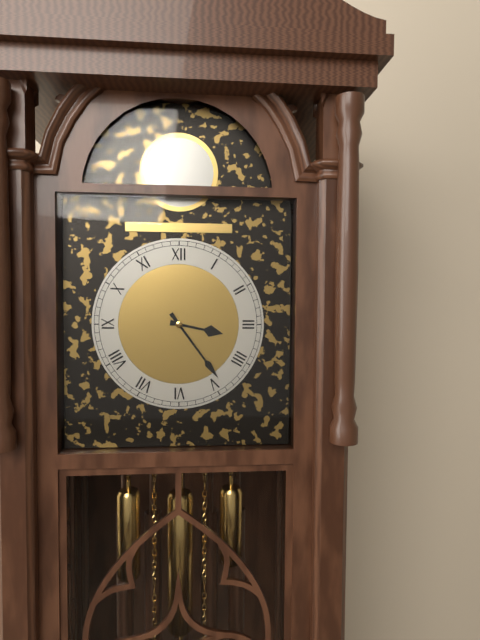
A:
**3:24**
